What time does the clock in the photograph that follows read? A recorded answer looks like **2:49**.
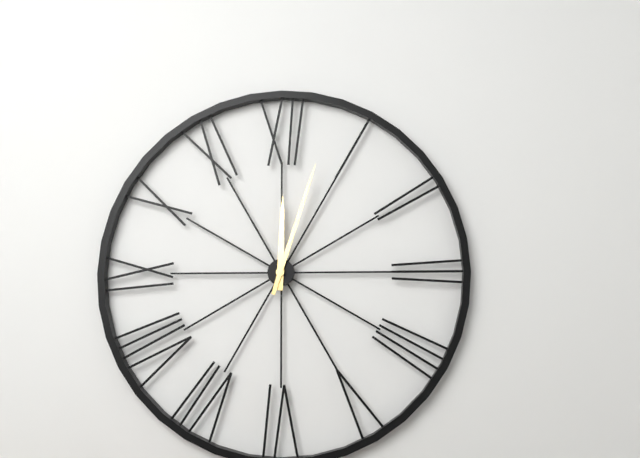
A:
**12:03**
